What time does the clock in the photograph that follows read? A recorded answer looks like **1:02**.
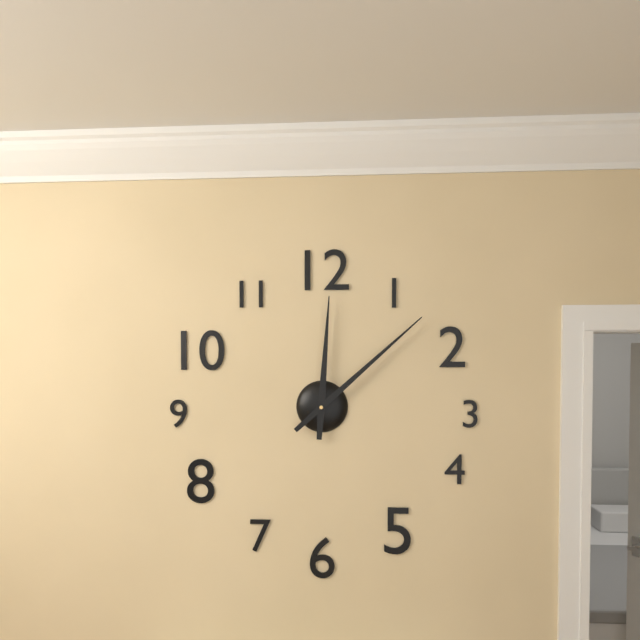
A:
**12:08**
